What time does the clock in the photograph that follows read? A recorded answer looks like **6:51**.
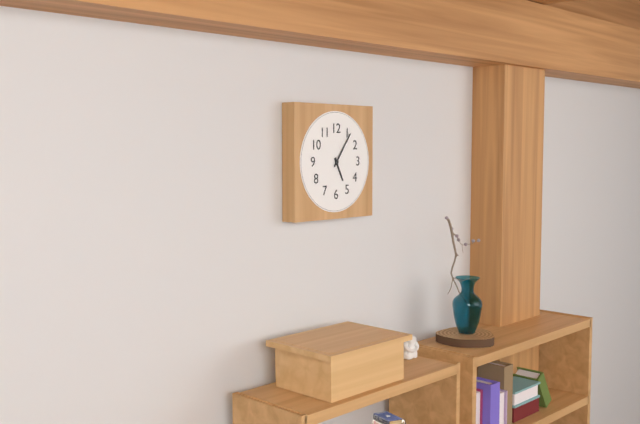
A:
**5:06**
